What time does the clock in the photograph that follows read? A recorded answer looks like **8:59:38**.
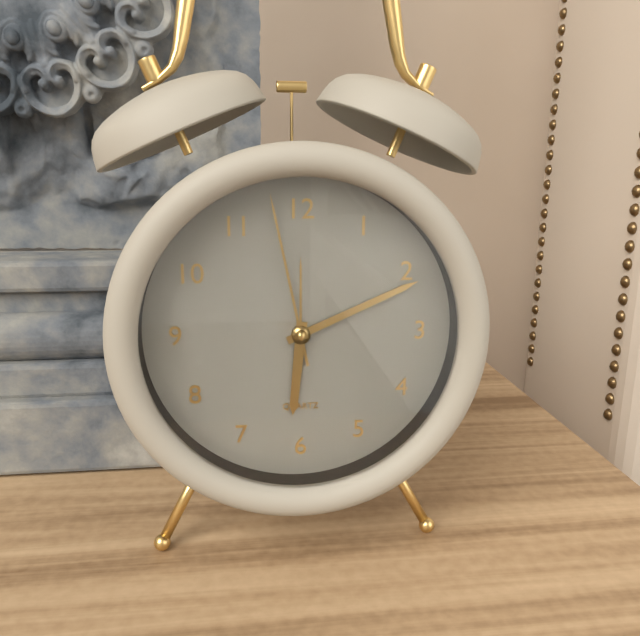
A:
**6:11:58**
